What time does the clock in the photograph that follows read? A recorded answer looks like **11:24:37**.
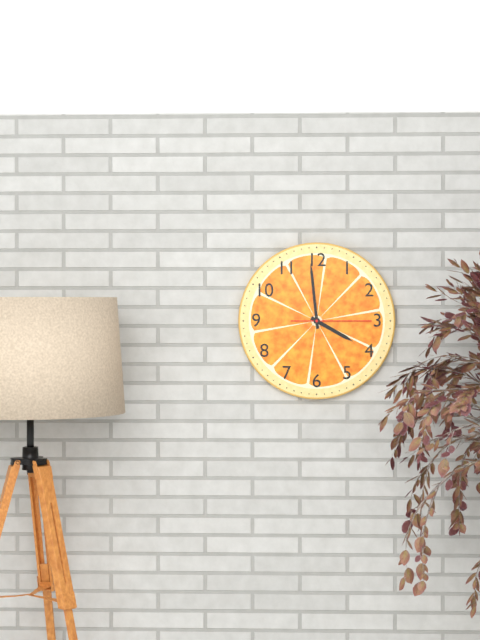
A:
**3:59:15**
